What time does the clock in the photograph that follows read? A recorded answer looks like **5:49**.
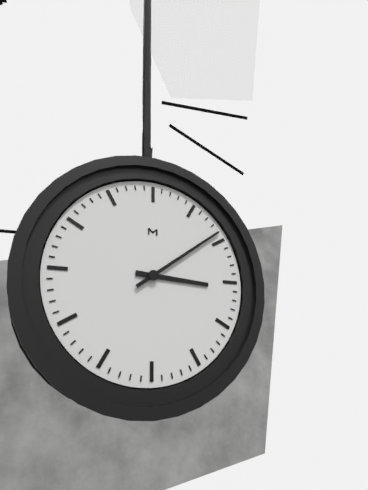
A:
**3:09**
